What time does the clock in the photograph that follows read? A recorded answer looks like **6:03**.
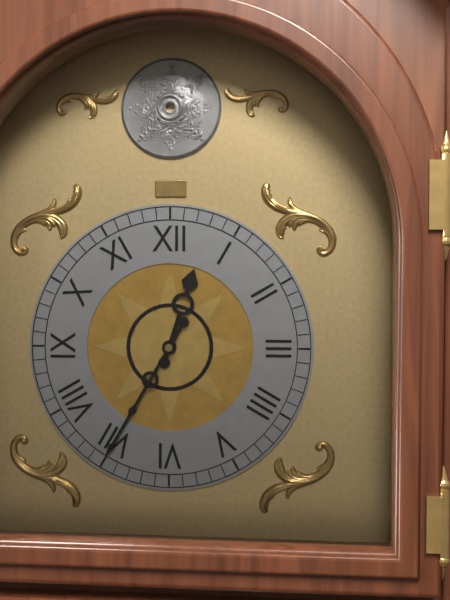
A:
**12:35**
